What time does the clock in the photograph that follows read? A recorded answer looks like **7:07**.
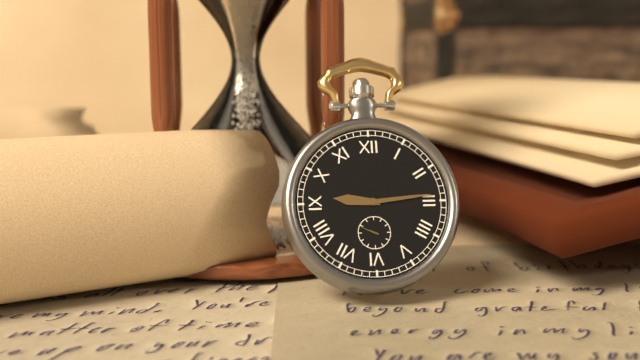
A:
**9:14**
